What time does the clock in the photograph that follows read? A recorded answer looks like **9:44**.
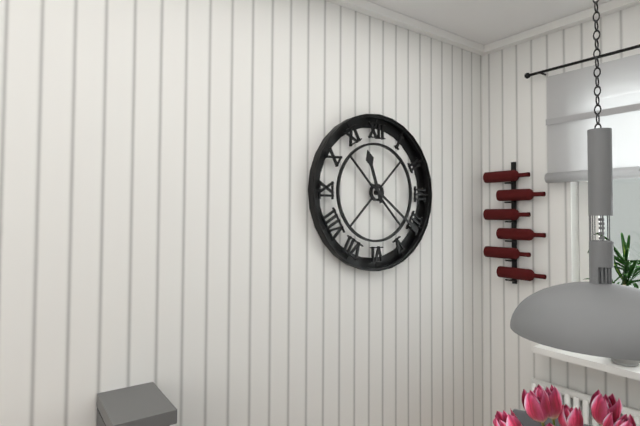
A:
**11:21**
